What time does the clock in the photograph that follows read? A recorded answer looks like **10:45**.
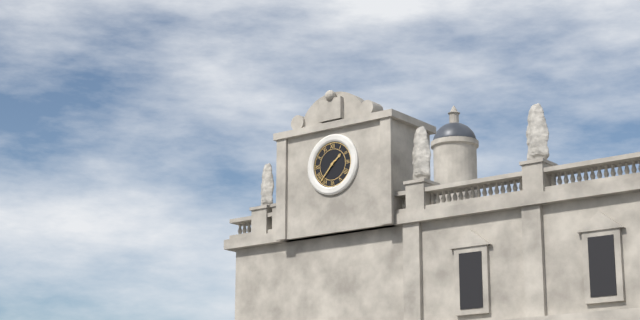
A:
**1:37**
